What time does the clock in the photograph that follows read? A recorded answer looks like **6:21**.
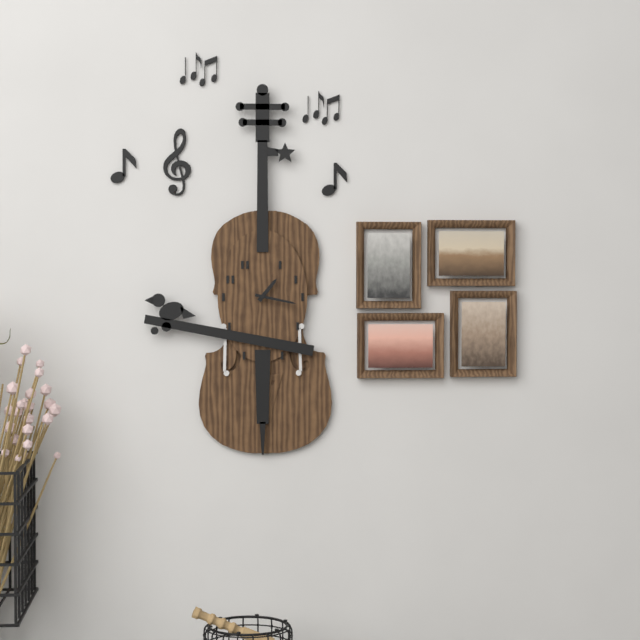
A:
**1:17**
